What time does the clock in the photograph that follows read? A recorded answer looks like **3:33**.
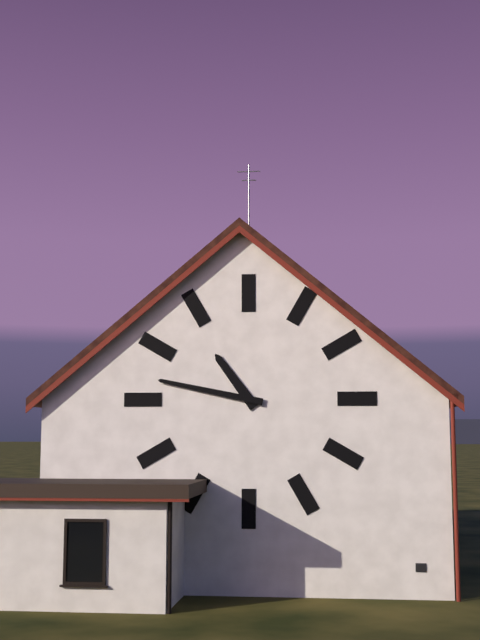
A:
**10:47**
